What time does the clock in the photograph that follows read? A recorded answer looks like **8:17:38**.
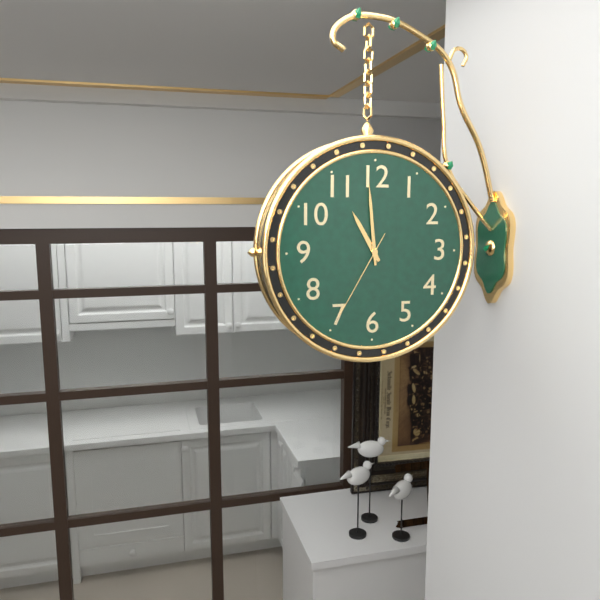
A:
**10:59:35**
